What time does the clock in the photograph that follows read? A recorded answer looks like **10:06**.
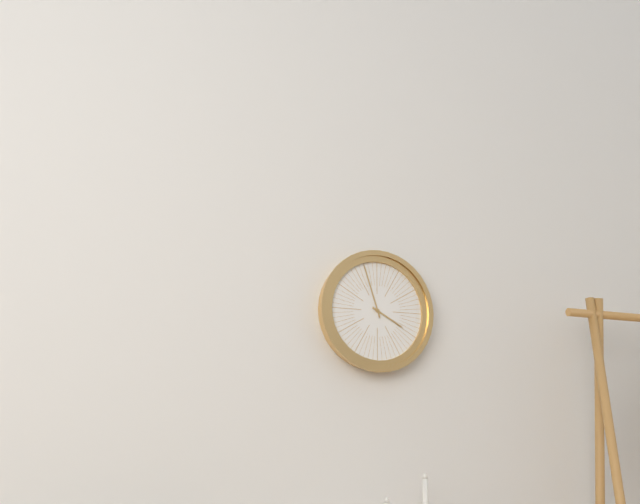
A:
**3:57**
